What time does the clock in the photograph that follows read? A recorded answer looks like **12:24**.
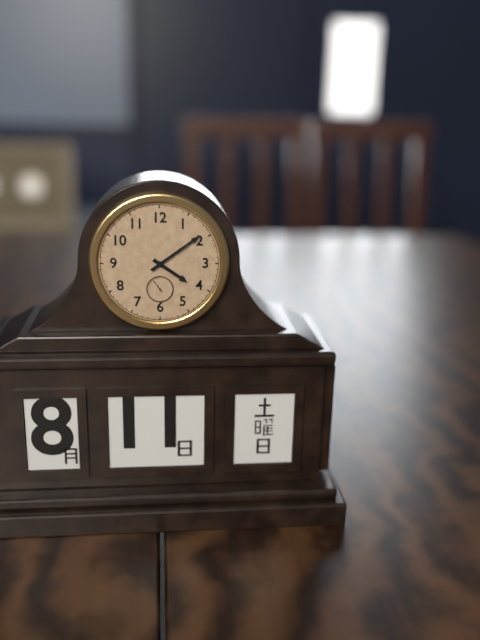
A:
**4:09**
